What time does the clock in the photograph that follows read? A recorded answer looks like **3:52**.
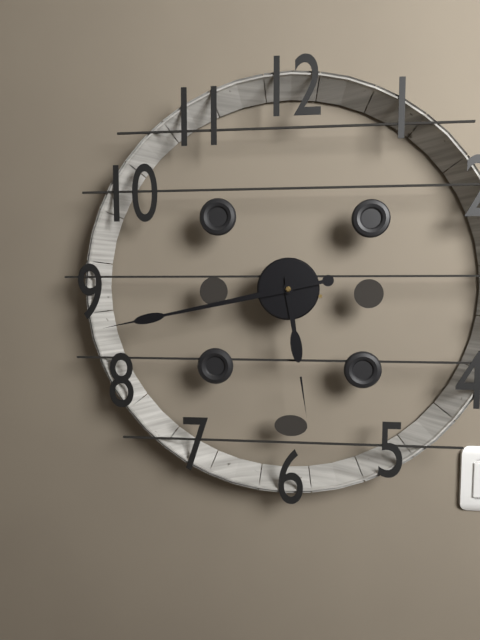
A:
**5:43**
